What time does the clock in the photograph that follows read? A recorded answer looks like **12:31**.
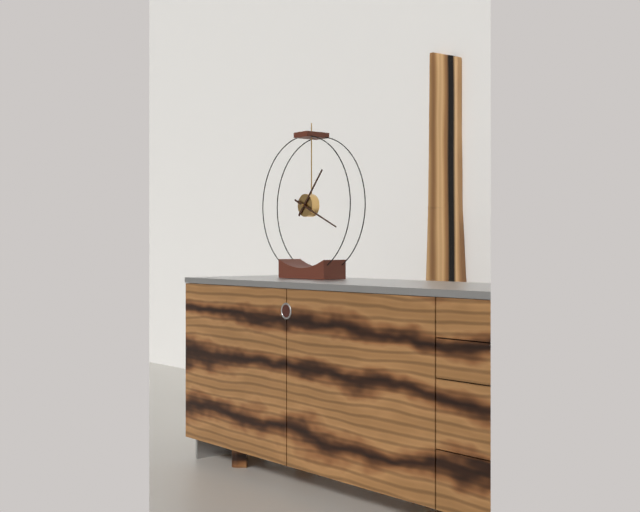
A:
**1:19**
